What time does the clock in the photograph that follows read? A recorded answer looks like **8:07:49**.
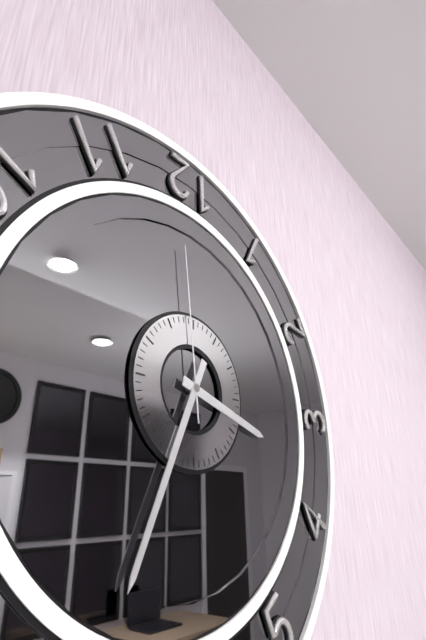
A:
**3:34:59**
